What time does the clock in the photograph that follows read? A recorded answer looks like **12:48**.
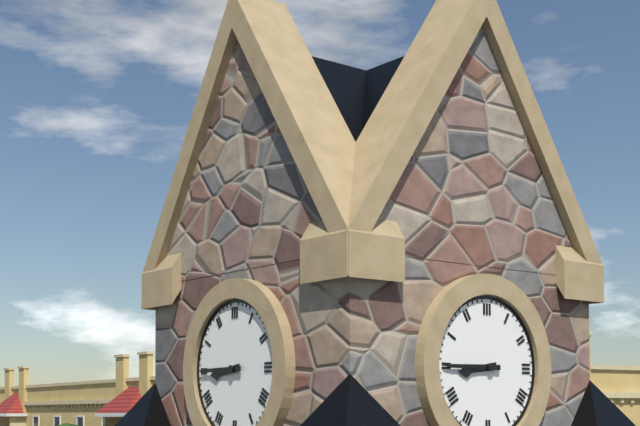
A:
**8:45**
